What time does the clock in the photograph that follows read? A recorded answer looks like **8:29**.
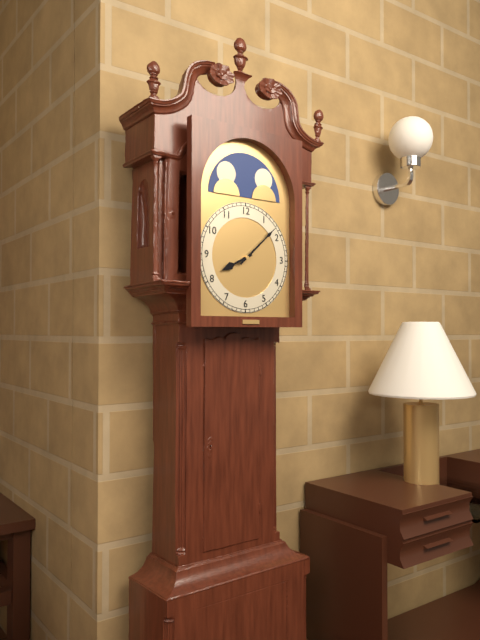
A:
**8:08**
